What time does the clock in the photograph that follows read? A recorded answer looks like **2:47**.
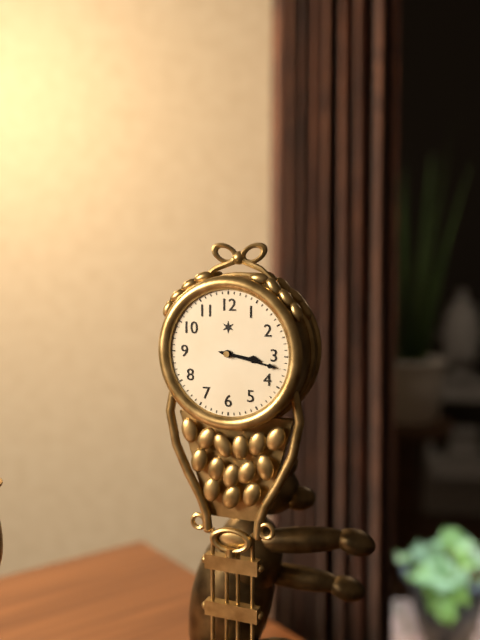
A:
**3:17**
